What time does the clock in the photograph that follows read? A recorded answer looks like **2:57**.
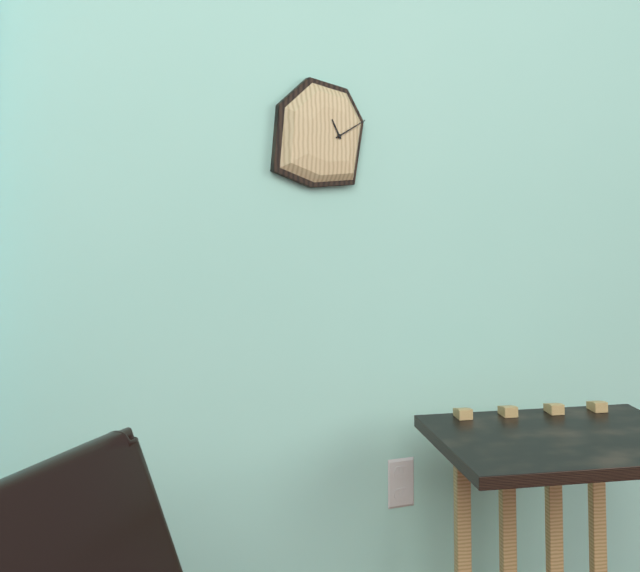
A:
**11:10**
